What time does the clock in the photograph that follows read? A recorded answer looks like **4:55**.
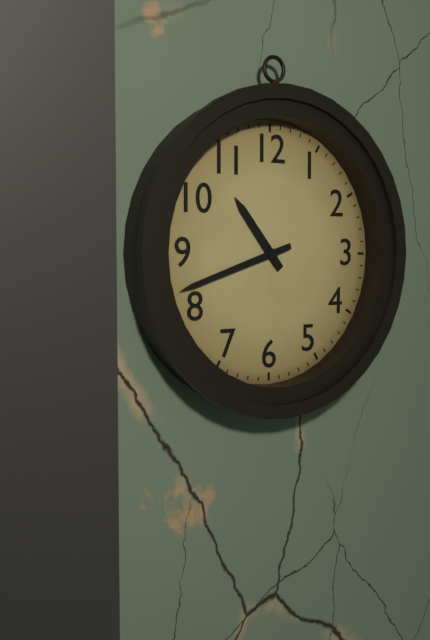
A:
**10:42**
